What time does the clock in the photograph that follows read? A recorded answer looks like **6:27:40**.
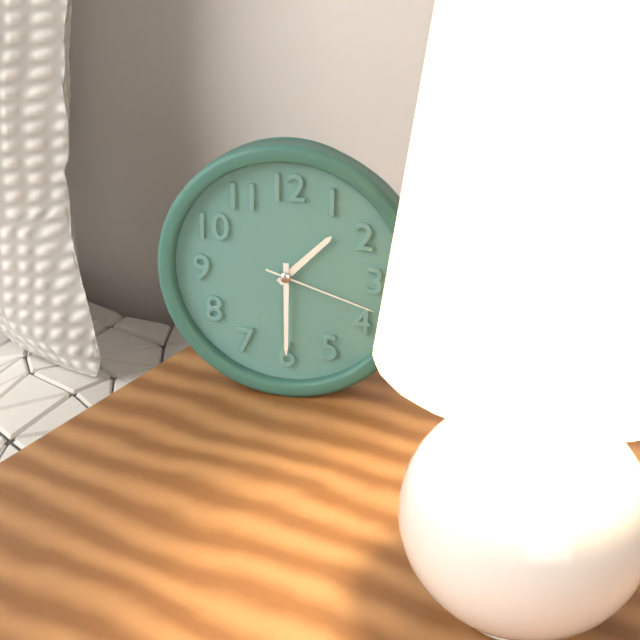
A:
**1:30:18**
